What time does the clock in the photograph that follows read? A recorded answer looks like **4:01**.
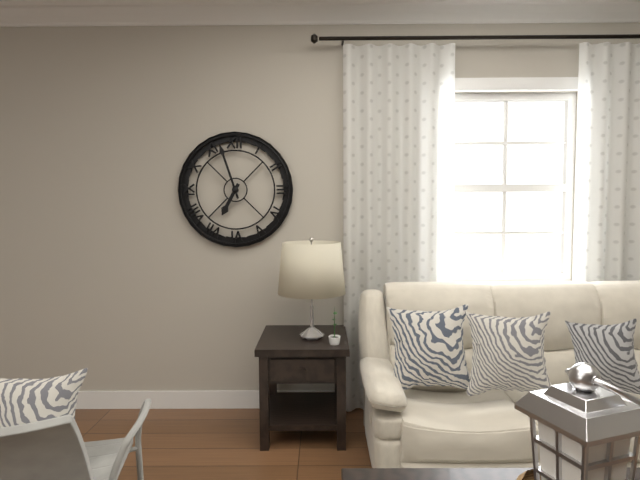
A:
**6:57**
